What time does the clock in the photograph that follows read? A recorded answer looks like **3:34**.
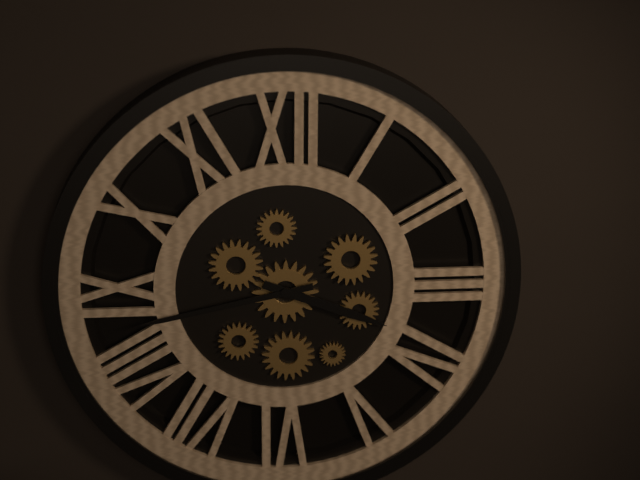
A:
**3:43**
